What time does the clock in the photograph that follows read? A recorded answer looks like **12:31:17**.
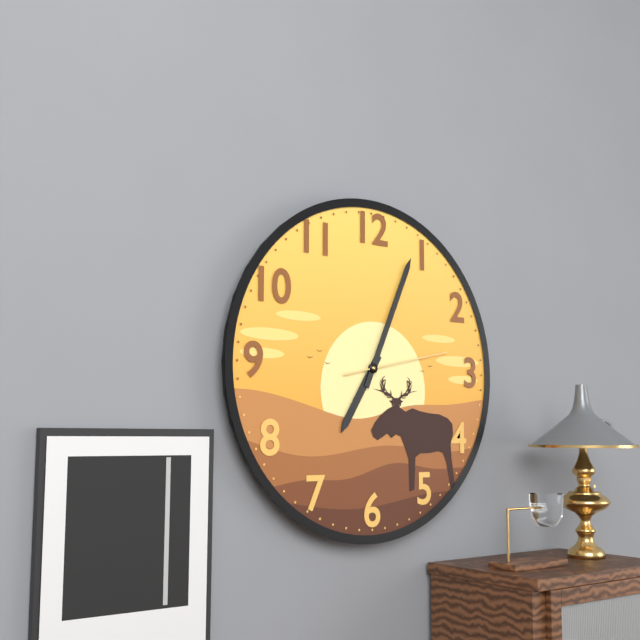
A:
**7:04:13**
